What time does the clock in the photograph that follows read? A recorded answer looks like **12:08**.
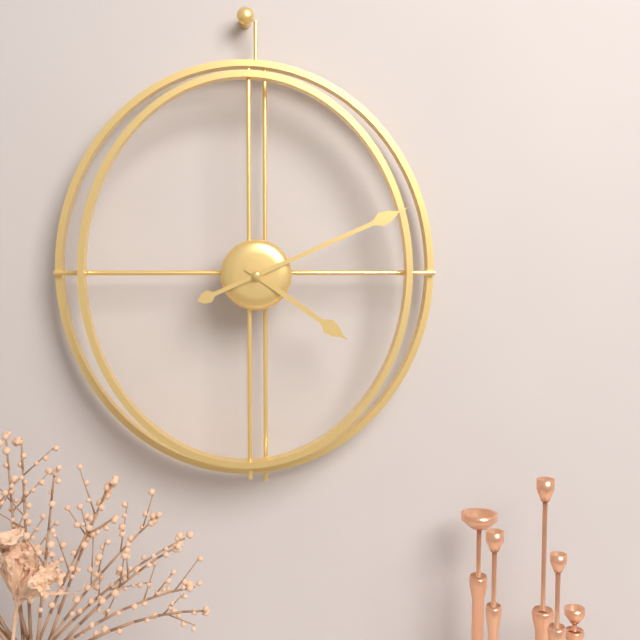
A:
**4:11**
